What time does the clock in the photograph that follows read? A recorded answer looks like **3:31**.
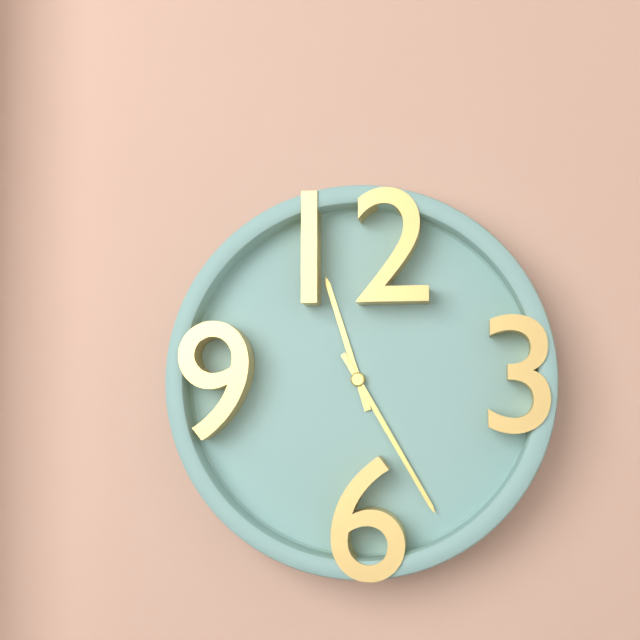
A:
**11:25**
